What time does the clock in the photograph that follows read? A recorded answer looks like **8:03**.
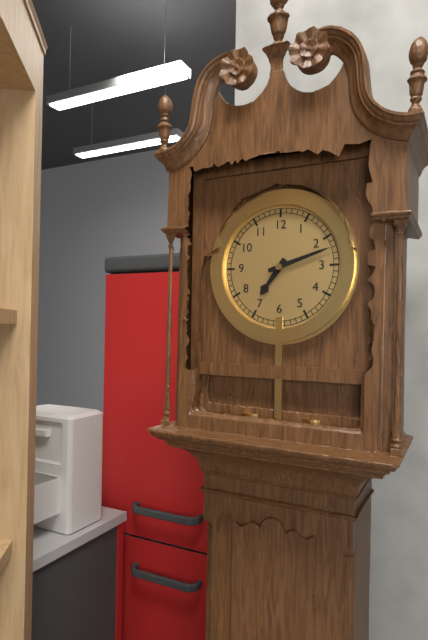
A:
**7:12**
